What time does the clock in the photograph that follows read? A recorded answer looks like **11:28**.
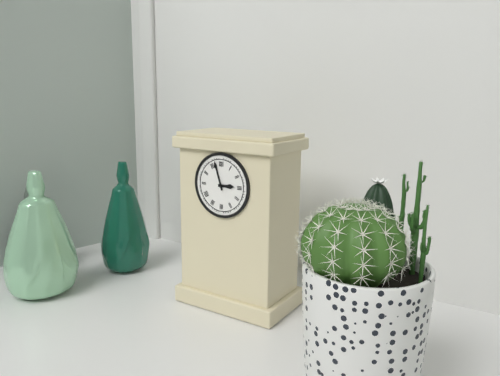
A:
**2:57**
